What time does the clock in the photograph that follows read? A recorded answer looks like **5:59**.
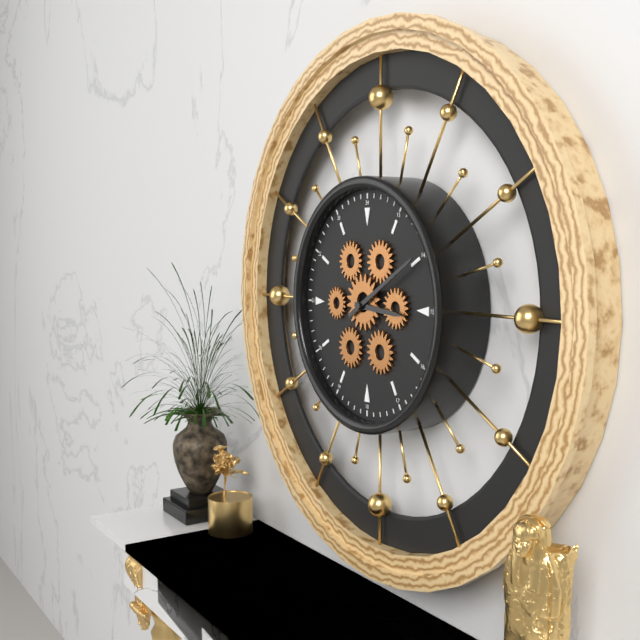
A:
**3:10**
